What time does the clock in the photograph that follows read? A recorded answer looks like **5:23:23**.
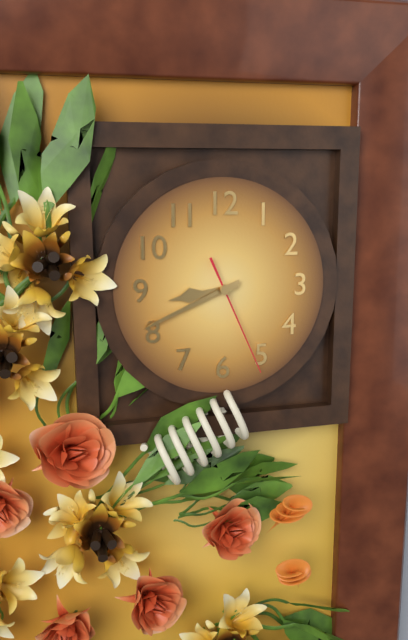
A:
**8:41:26**
